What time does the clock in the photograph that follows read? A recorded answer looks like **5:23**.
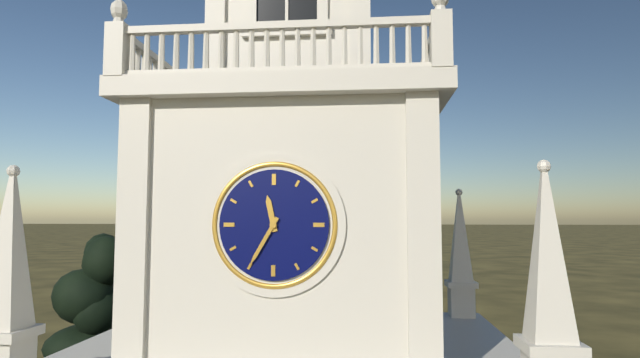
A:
**11:35**
